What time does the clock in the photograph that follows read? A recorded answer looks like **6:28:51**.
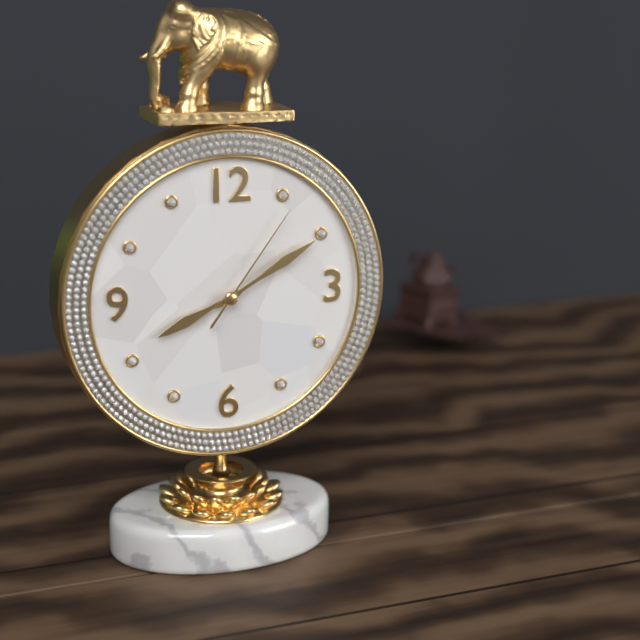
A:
**8:10:06**
